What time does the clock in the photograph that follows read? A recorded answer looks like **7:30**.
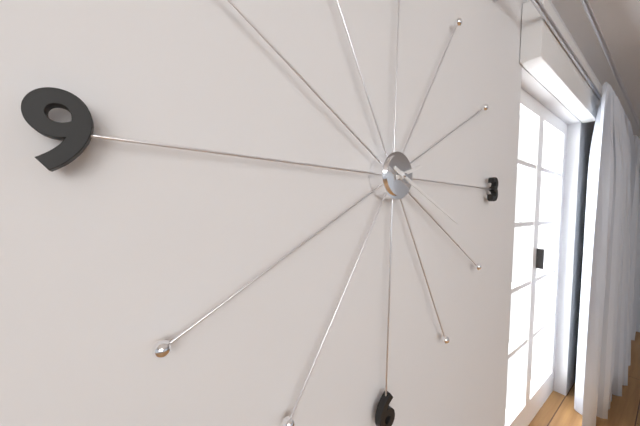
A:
**2:19**
